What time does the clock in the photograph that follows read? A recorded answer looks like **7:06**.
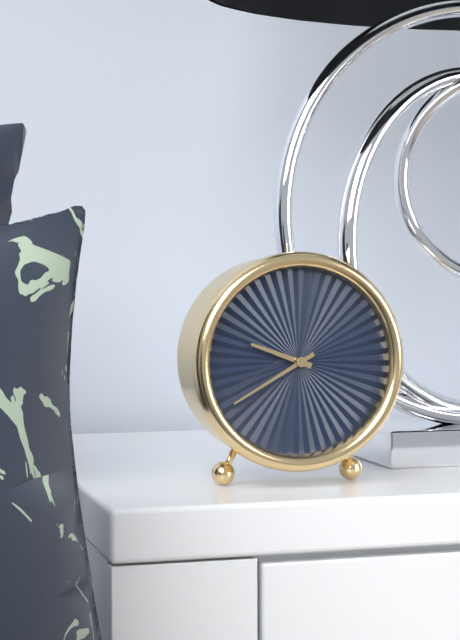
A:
**9:40**
